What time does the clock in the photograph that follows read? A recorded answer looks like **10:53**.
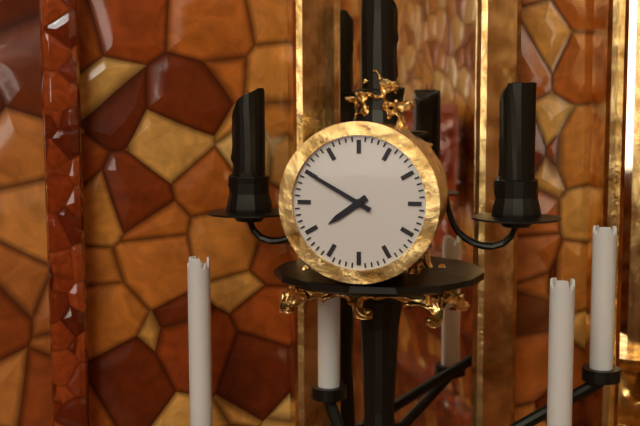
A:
**7:50**
